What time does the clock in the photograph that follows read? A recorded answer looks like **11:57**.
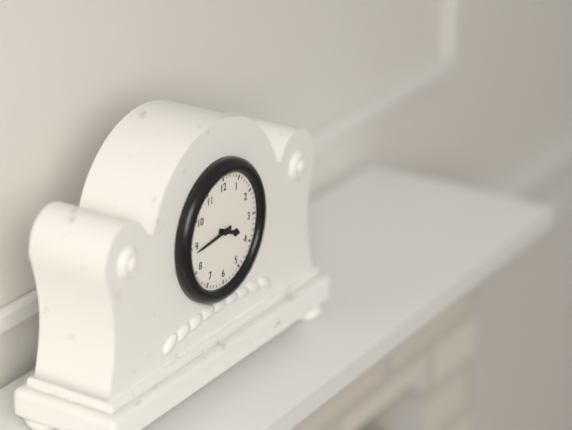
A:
**3:44**
